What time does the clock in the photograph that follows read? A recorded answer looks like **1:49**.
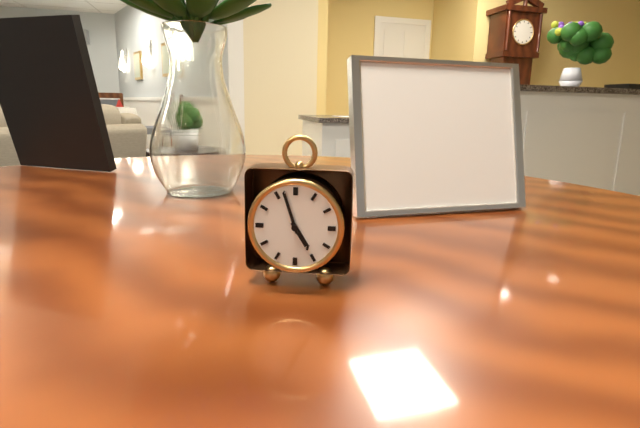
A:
**4:57**
